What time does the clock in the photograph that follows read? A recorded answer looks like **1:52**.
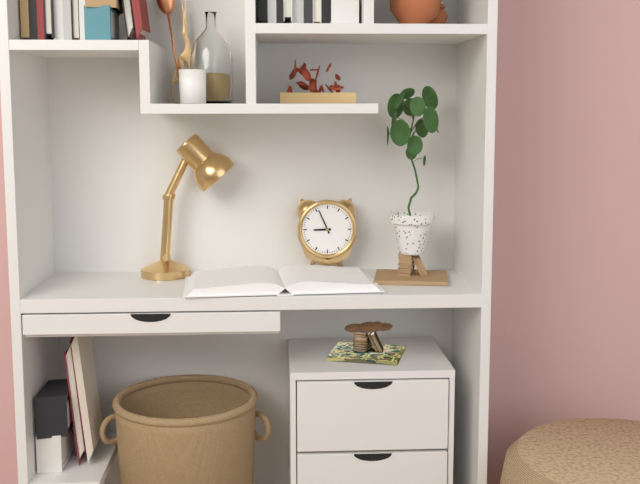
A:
**8:56**
